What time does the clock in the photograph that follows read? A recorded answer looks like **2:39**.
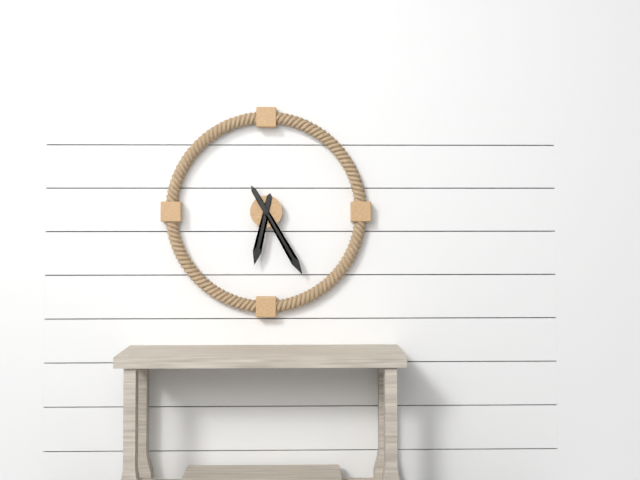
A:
**6:25**
